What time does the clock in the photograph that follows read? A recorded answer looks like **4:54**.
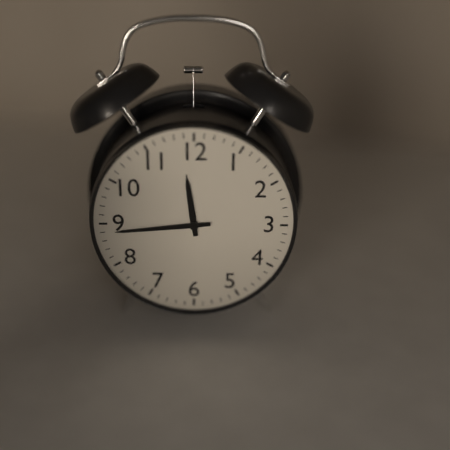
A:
**11:44**
